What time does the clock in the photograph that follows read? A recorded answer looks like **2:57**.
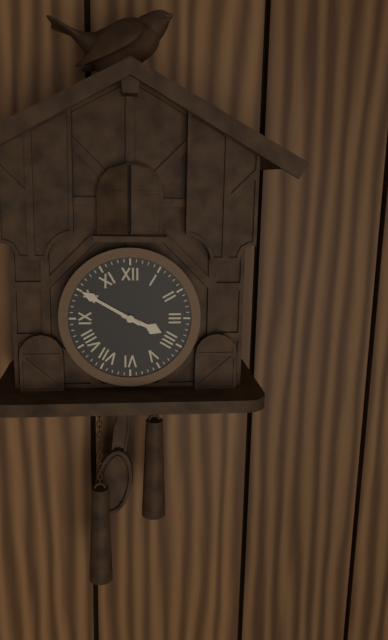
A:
**3:50**
